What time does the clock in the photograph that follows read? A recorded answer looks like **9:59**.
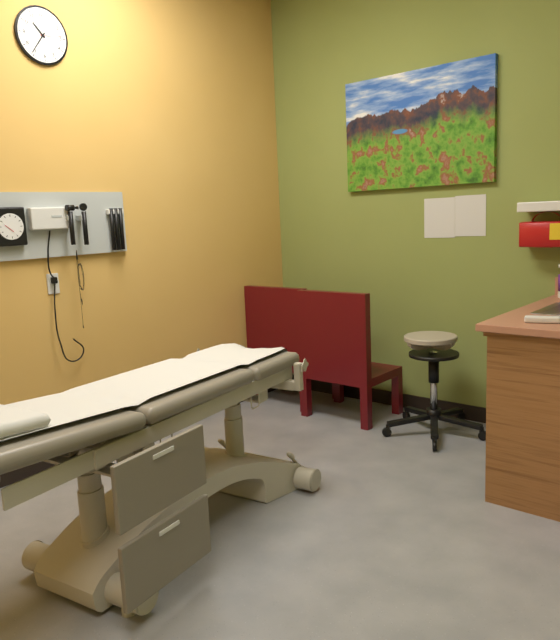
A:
**10:36**
